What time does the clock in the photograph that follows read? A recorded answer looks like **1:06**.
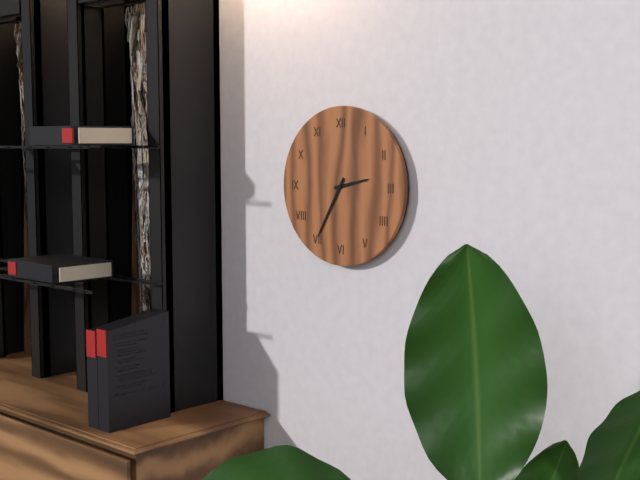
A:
**2:35**
